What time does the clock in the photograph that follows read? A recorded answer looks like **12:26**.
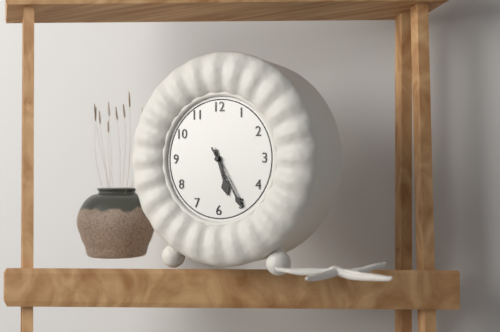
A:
**5:25**
